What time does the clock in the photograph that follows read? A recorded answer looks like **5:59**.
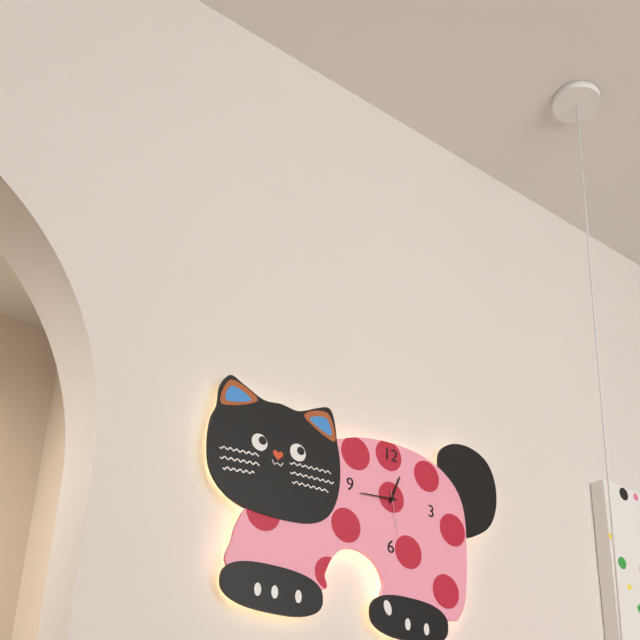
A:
**12:44**
